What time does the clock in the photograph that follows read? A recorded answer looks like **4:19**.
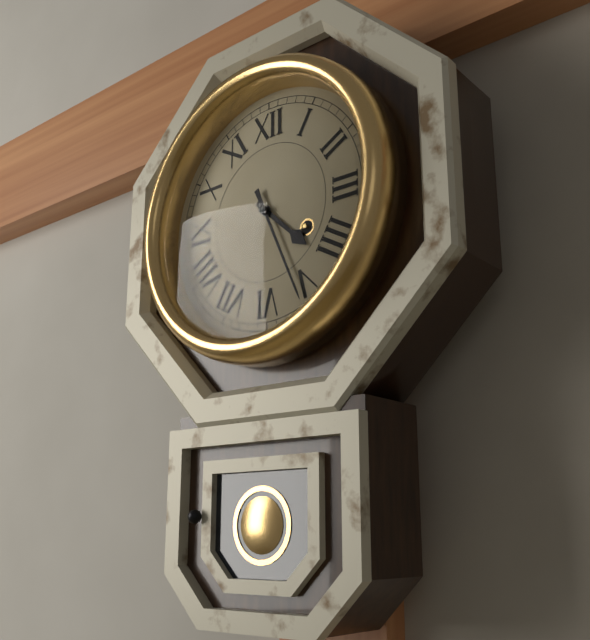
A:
**4:26**
